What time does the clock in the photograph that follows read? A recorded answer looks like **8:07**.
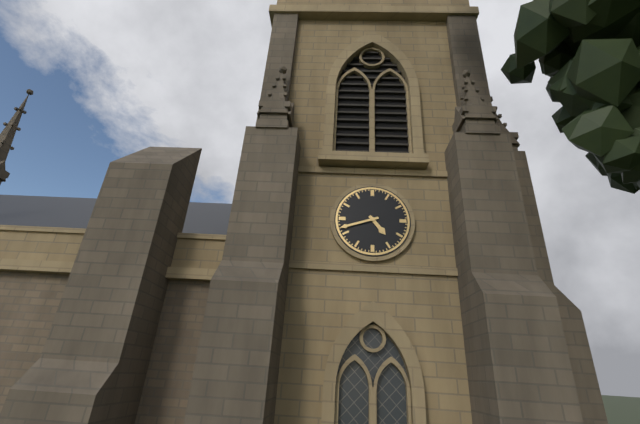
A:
**4:42**
